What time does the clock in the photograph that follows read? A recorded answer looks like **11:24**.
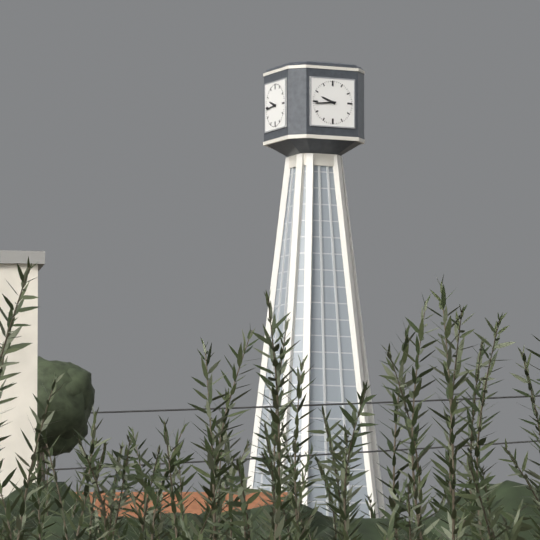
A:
**9:44**
